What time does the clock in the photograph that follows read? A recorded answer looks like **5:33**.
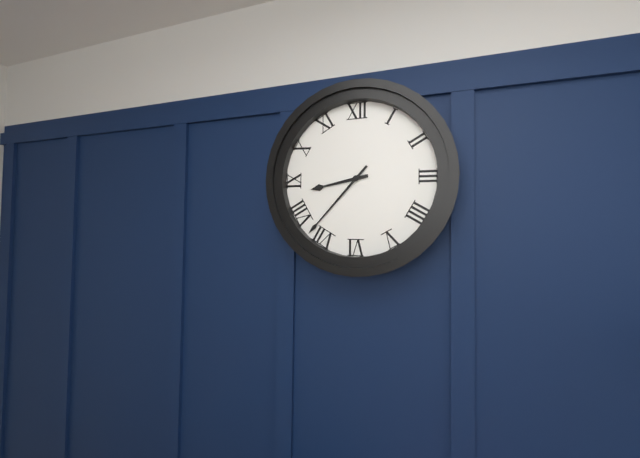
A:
**8:37**
